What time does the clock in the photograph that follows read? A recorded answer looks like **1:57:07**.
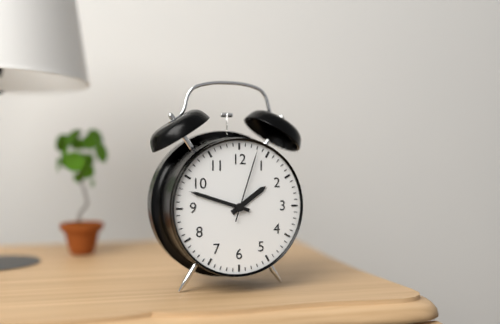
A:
**1:48:03**
